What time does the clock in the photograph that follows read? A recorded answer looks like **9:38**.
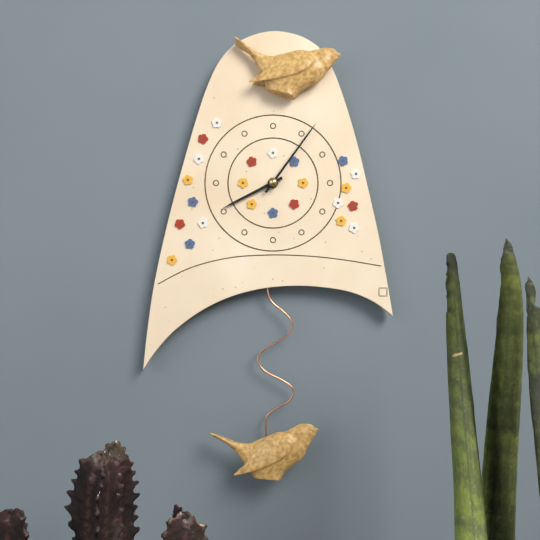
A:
**8:06**
